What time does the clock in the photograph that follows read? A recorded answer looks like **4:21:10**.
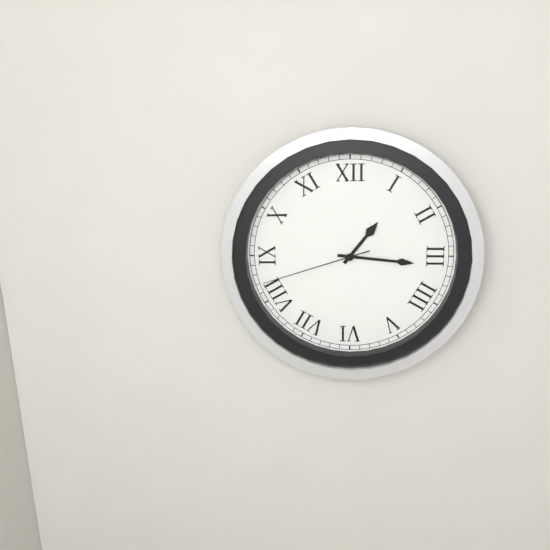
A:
**1:16:42**
